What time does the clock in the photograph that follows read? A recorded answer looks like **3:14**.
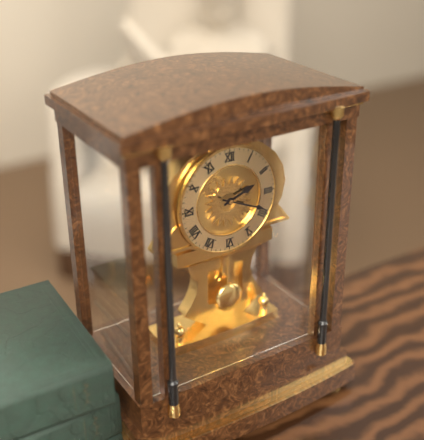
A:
**2:19**
